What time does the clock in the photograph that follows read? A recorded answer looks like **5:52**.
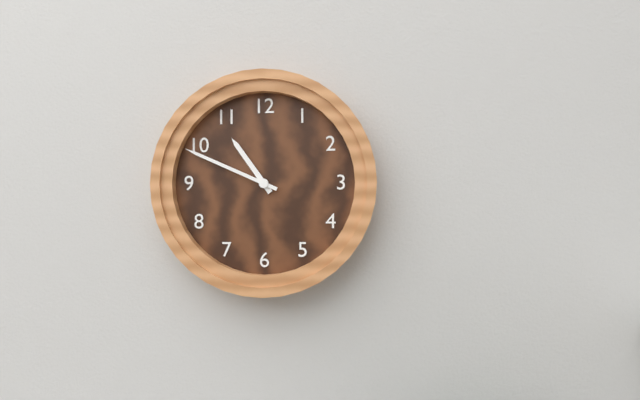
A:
**10:49**
